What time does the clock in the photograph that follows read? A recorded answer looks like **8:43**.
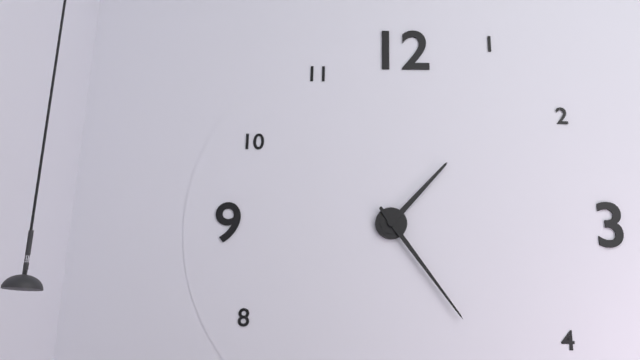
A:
**1:24**
